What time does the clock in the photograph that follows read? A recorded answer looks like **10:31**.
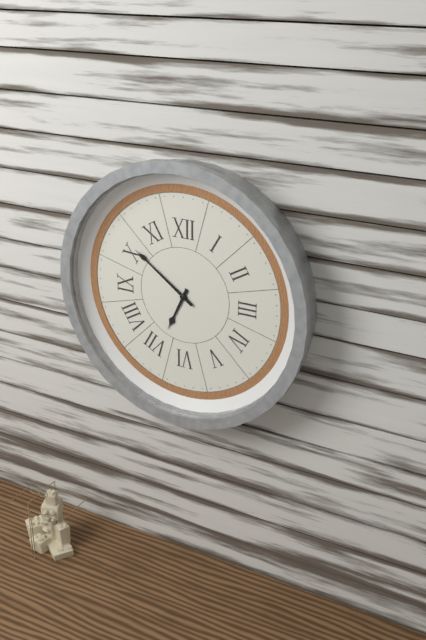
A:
**6:51**
